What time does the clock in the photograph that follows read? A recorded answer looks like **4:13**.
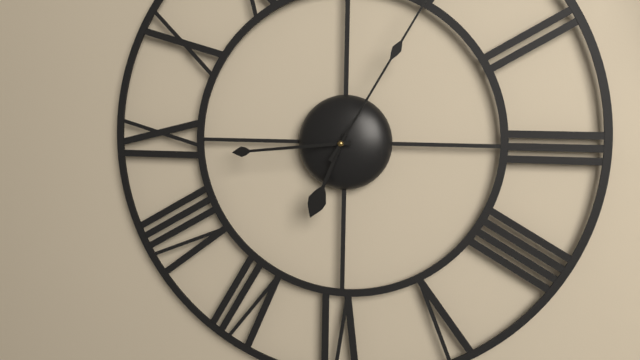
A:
**6:44**
